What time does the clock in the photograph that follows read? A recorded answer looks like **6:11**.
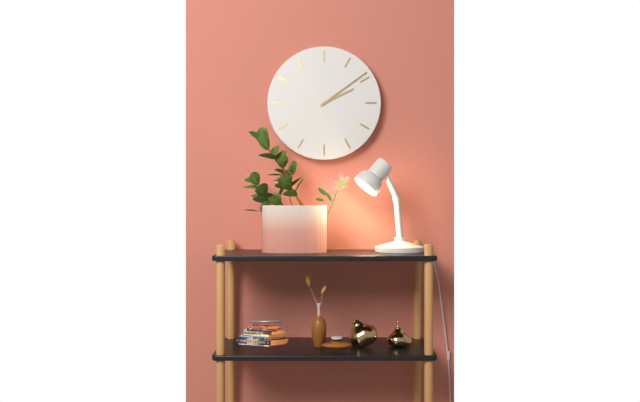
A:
**2:09**
